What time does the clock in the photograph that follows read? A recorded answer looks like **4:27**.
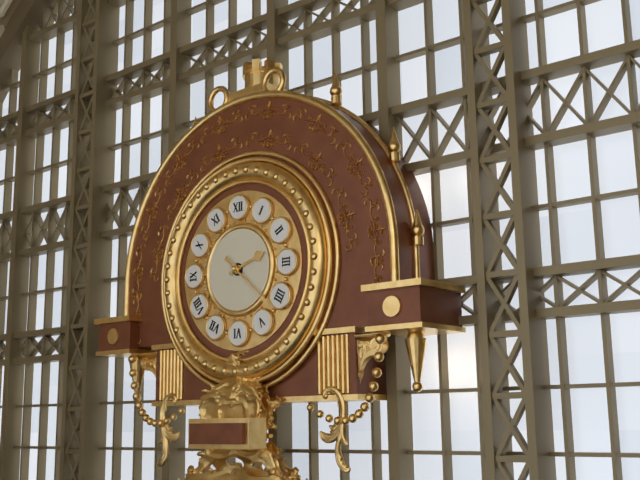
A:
**2:22**
